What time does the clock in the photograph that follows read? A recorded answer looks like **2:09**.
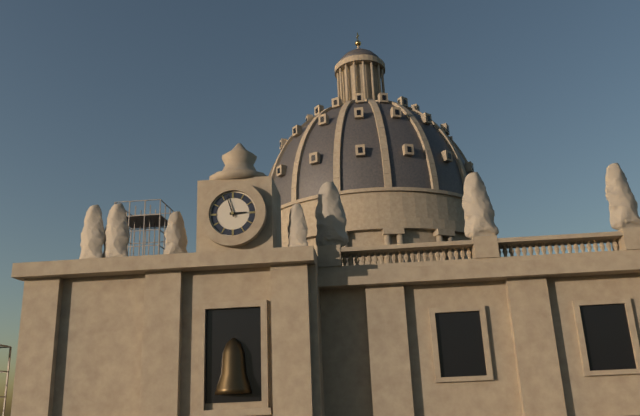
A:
**2:57**
